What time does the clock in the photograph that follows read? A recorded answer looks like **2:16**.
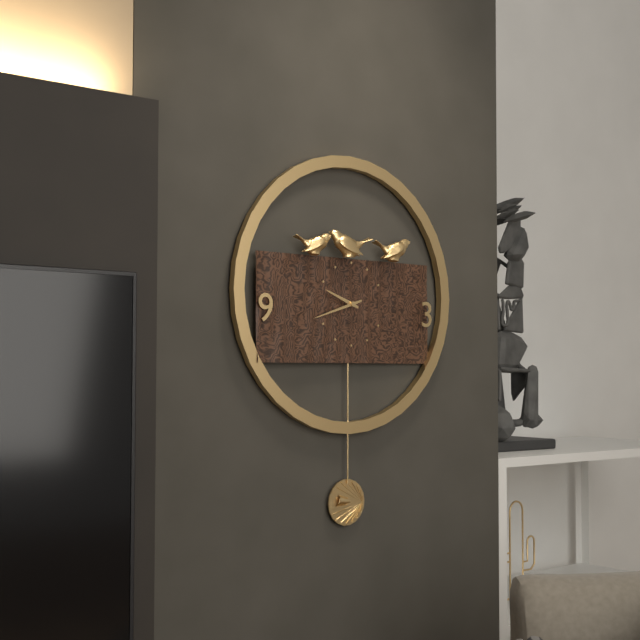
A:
**9:42**
